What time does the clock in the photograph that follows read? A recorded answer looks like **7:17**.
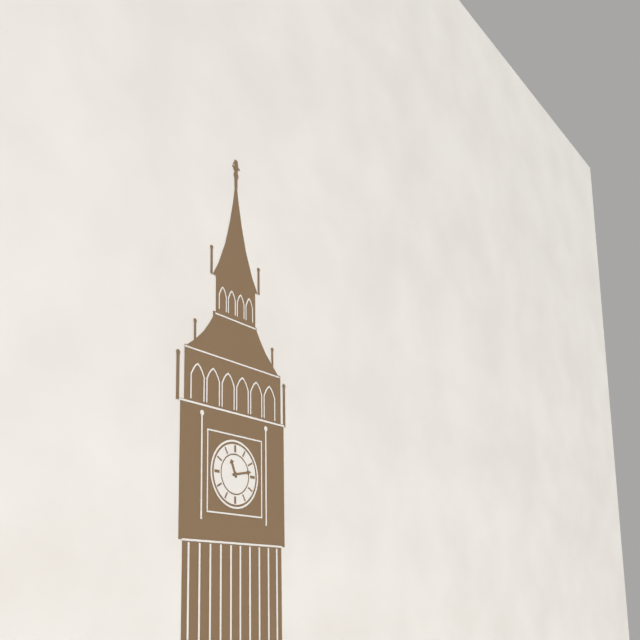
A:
**11:13**
